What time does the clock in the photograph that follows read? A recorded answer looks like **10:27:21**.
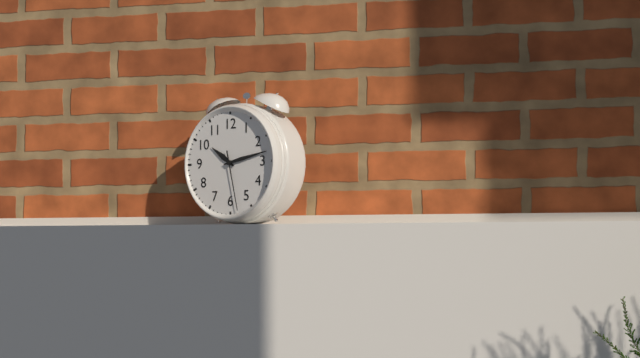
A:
**10:13:28**
